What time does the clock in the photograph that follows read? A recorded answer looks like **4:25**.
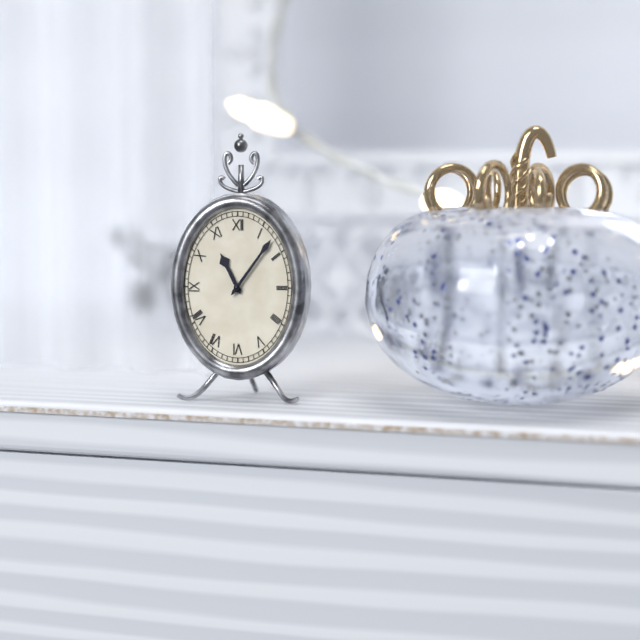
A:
**11:06**
